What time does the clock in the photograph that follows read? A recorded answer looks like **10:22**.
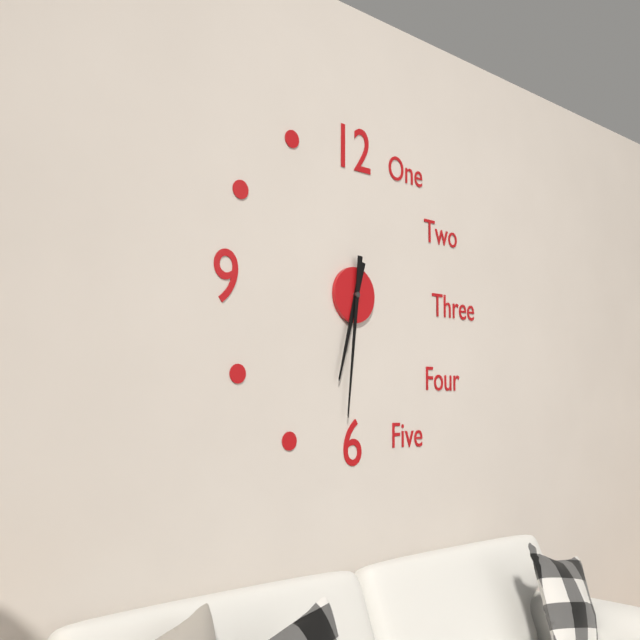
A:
**6:31**
